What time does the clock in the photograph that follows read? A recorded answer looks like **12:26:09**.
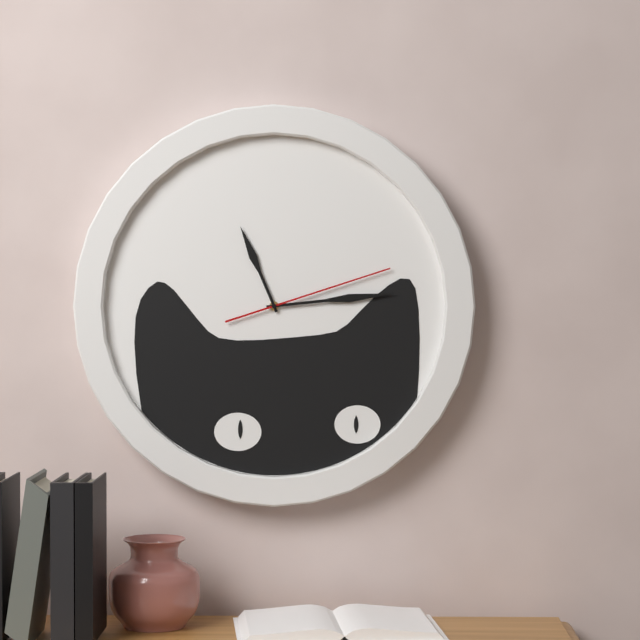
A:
**11:14:12**
